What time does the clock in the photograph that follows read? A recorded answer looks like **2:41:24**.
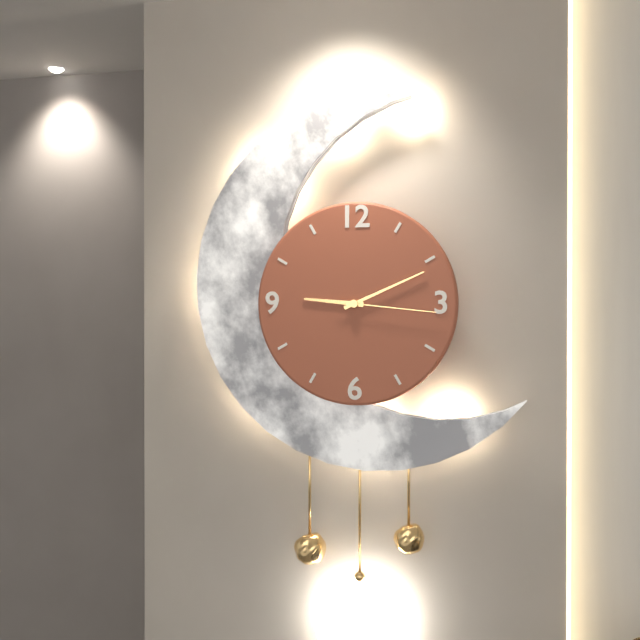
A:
**9:11:16**
